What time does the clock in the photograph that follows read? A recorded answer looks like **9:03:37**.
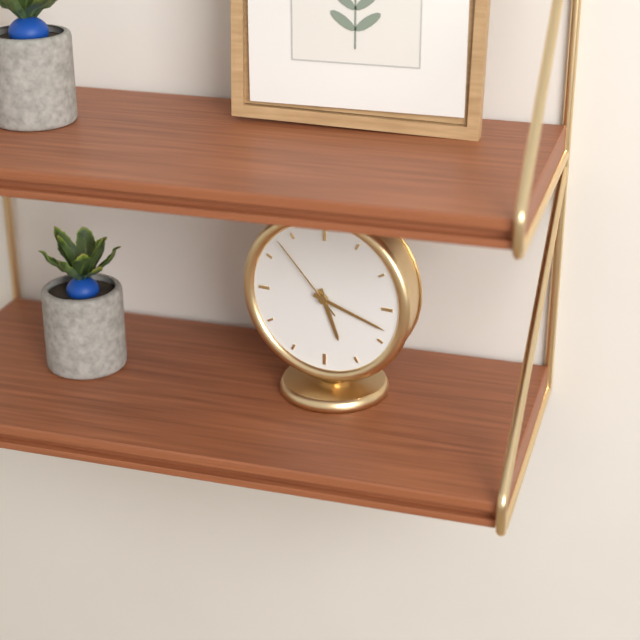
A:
**5:18:53**
